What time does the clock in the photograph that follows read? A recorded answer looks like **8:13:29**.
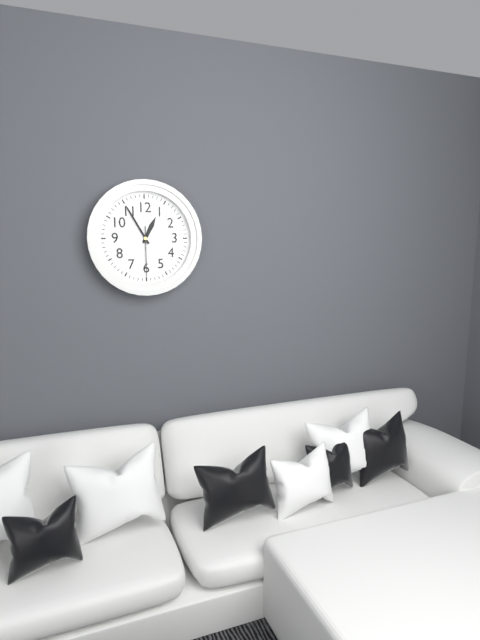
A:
**12:55:30**
